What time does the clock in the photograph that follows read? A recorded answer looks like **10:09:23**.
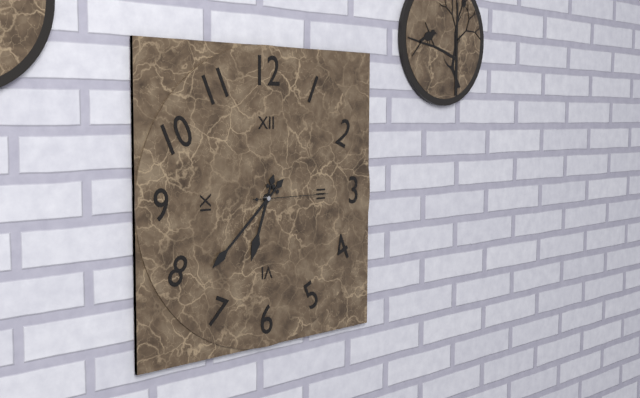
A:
**6:38:15**
